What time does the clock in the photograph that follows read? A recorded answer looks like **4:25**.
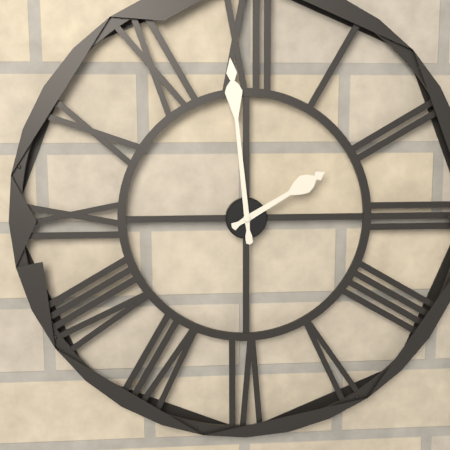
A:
**1:59**
